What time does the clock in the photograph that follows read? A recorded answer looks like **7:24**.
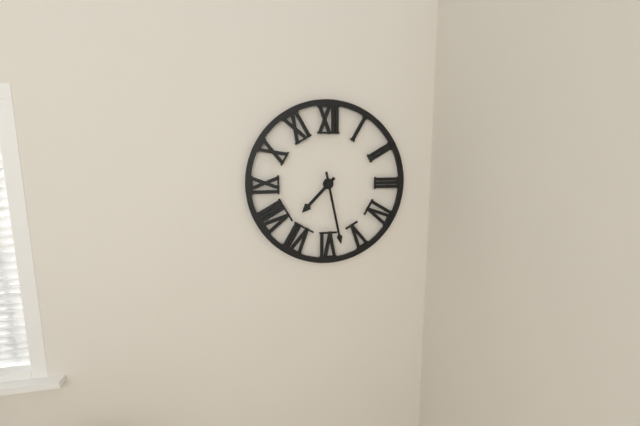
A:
**7:28**
